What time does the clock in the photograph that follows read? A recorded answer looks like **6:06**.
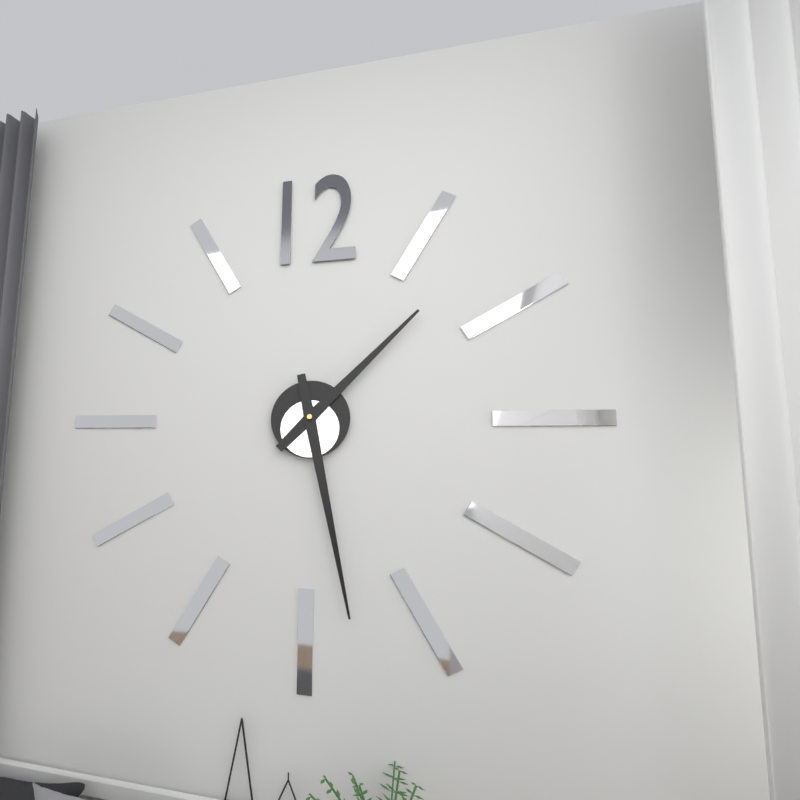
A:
**1:28**
